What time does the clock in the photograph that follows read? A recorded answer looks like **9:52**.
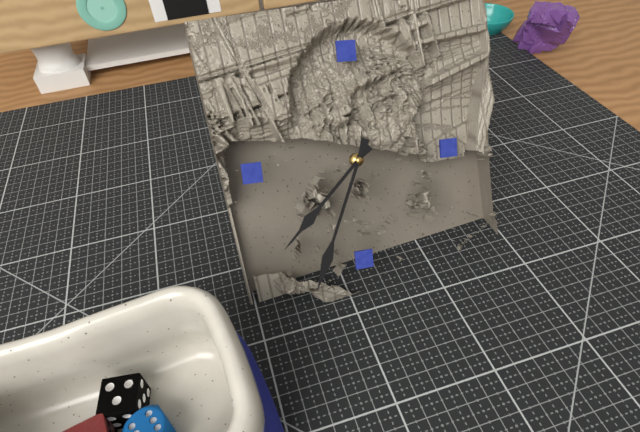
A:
**7:34**
